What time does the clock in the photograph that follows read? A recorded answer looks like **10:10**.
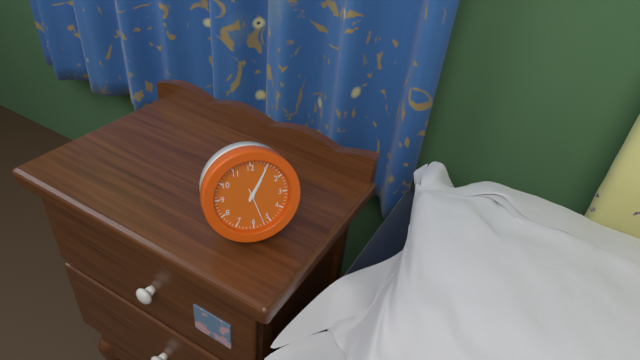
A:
**1:05**
